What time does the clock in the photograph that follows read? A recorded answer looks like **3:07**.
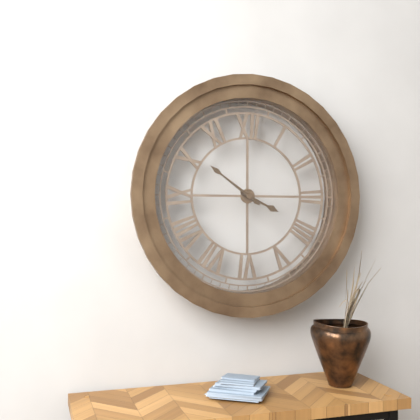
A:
**3:51**
